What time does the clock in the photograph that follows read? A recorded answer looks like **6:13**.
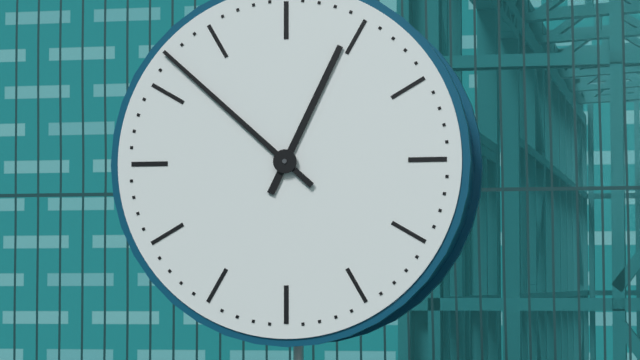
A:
**12:52**
